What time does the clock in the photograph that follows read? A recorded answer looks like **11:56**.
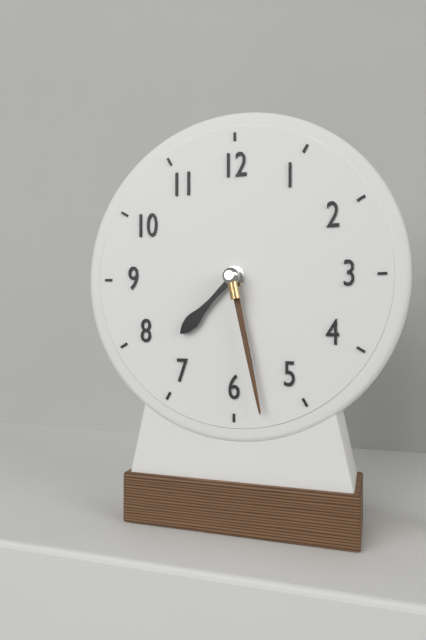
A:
**7:28**
